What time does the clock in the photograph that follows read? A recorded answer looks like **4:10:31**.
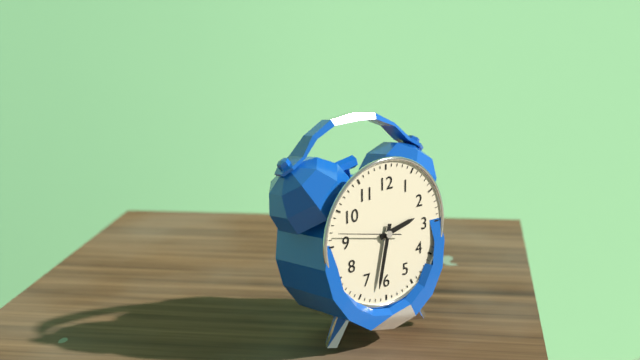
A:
**2:32:47**
